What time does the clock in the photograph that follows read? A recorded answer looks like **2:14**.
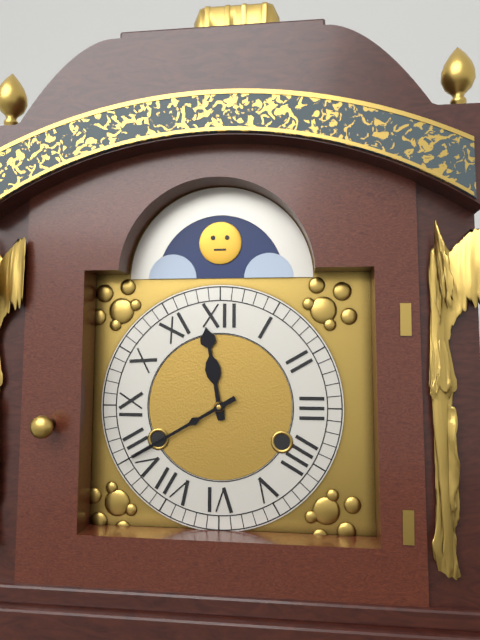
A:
**11:40**
